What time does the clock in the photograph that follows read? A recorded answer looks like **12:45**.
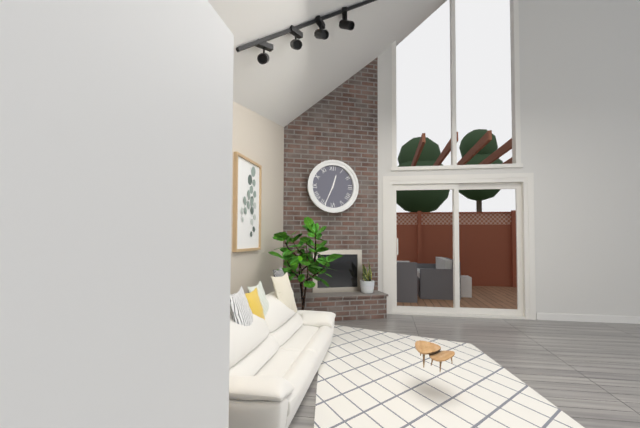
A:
**12:34**
